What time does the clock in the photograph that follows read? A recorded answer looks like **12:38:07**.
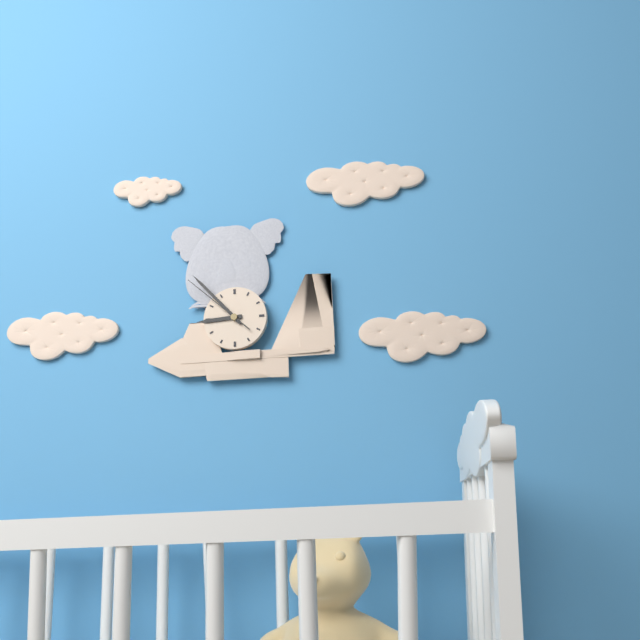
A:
**8:53:52**
